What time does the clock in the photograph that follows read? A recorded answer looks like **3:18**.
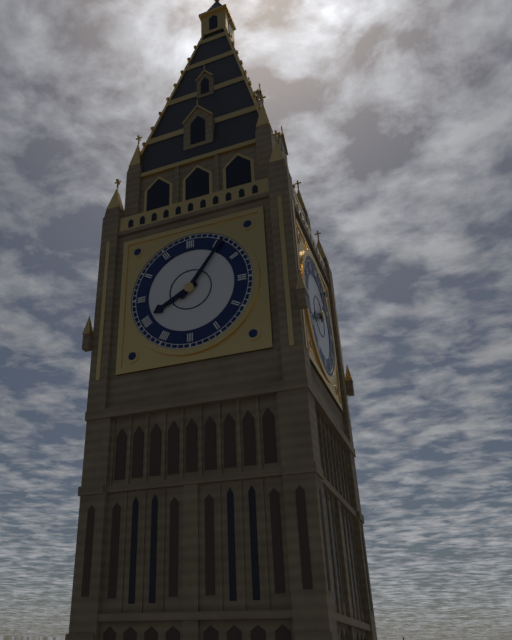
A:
**8:06**
